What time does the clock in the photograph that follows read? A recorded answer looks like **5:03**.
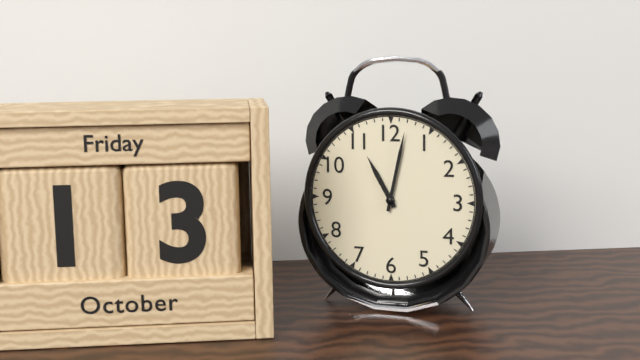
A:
**11:02**
